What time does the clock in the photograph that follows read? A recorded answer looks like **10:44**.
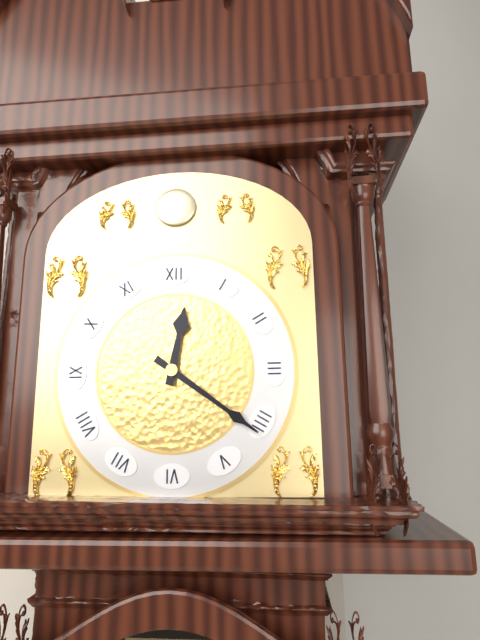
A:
**12:21**
